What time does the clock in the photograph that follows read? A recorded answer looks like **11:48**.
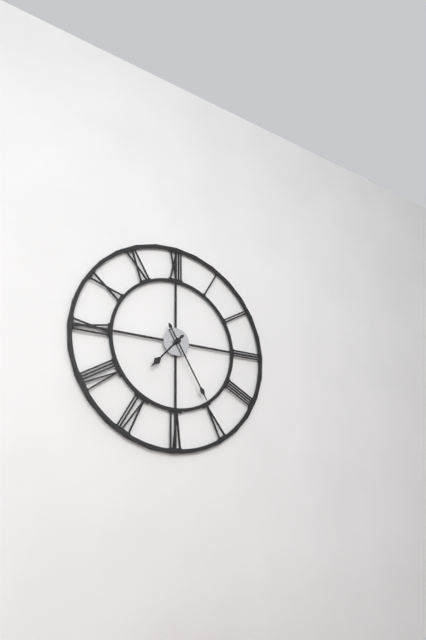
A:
**7:25**
